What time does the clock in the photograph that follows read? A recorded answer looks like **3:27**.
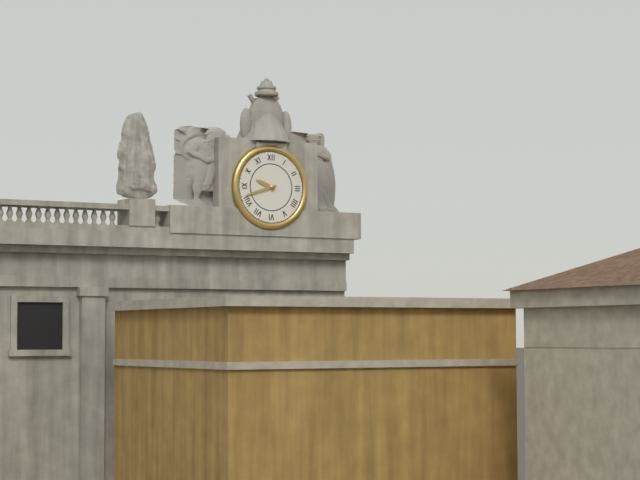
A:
**9:42**
